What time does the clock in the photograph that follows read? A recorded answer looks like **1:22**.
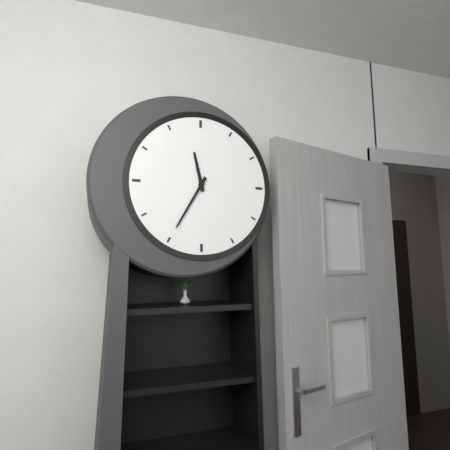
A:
**11:35**
